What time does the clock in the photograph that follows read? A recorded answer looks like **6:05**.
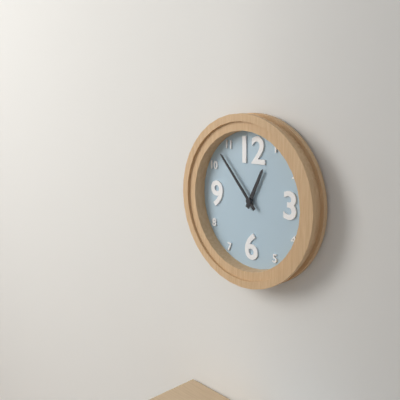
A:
**12:53**
